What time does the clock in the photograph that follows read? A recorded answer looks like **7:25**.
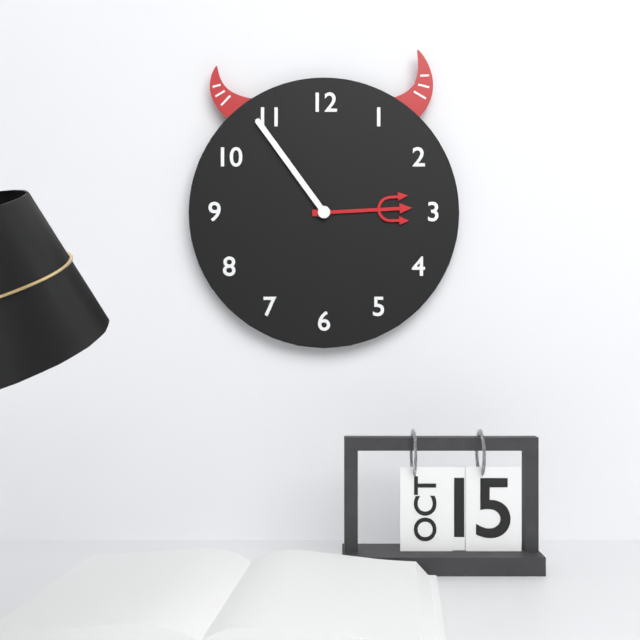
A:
**2:54**
